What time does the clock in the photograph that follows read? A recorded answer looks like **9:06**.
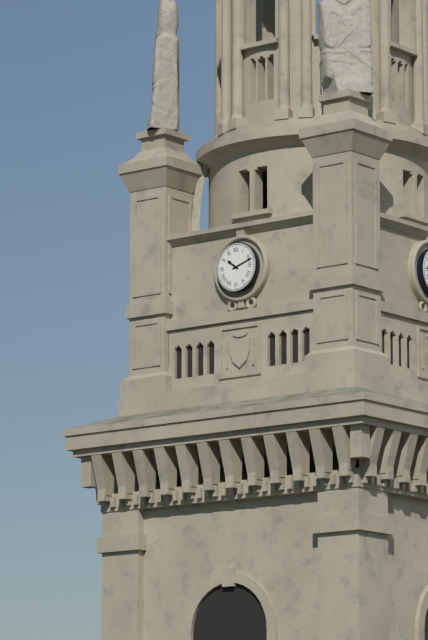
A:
**10:12**
